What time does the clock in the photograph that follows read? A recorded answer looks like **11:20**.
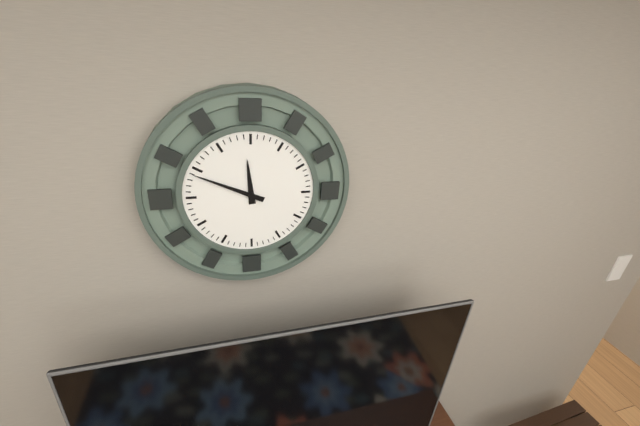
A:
**11:49**
